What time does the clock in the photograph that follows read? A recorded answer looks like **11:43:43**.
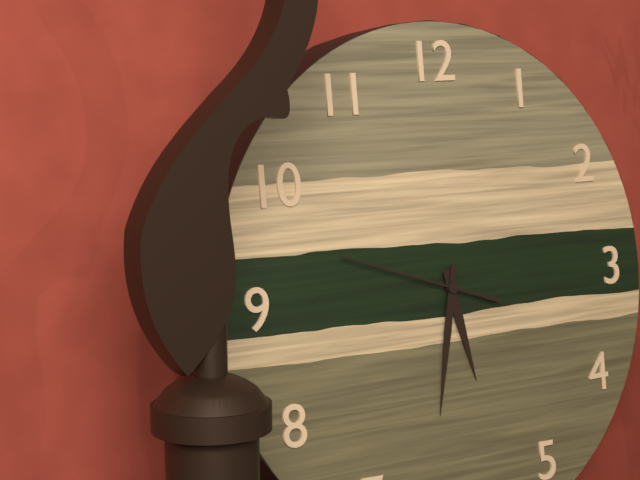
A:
**5:32:48**
